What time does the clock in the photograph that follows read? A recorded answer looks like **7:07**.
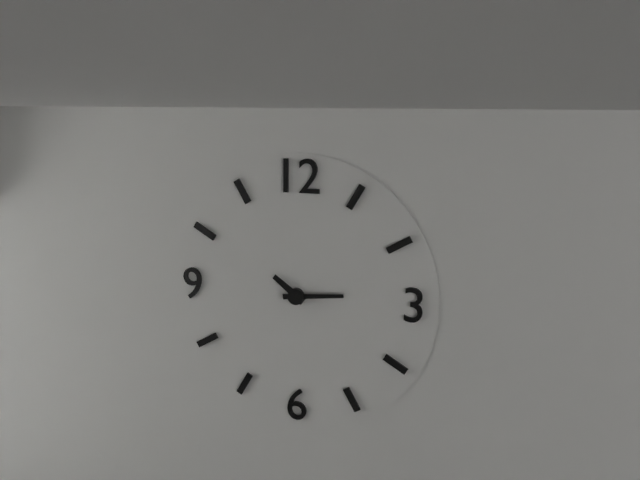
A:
**10:14**
